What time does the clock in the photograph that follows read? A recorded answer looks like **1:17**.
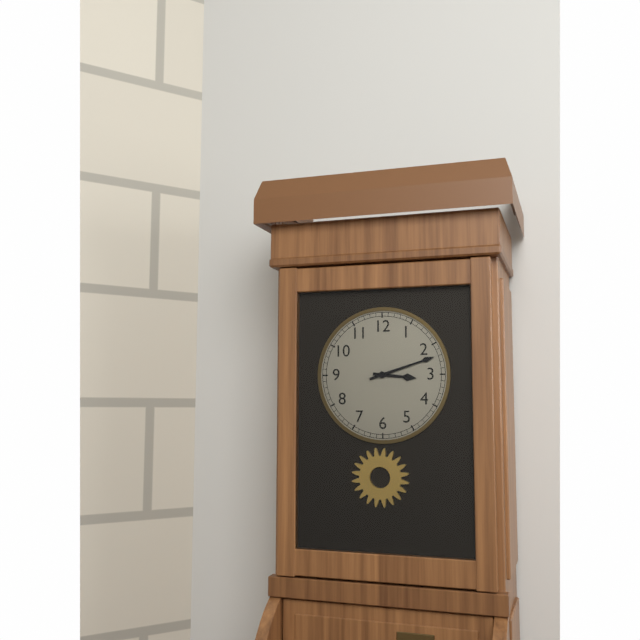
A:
**3:12**
